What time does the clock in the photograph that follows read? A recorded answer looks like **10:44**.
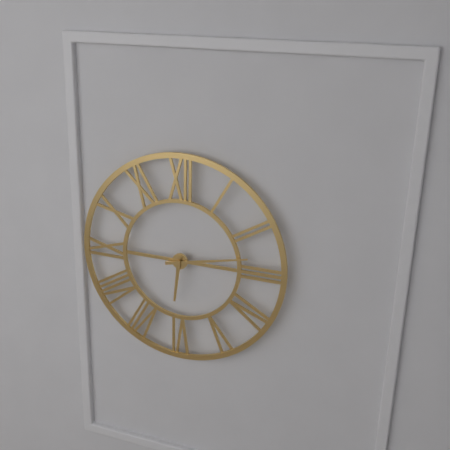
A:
**6:13**
